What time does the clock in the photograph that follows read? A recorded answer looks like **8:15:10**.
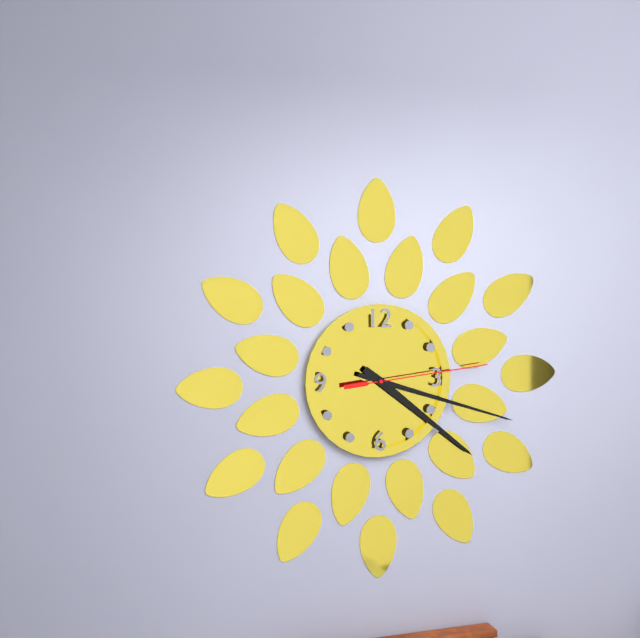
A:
**4:18:14**
